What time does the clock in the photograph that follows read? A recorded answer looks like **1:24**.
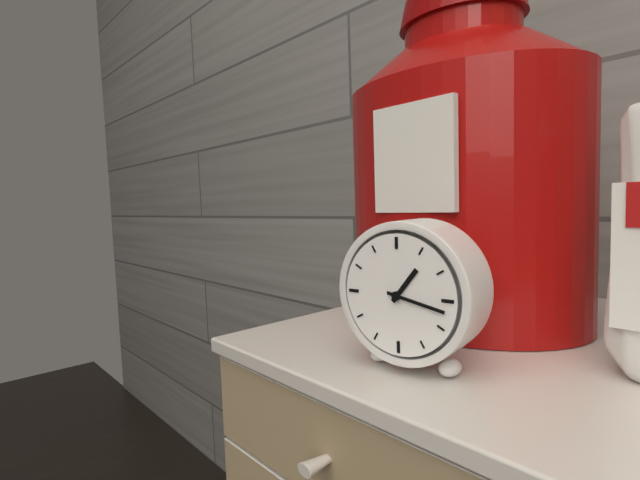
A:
**1:17**
